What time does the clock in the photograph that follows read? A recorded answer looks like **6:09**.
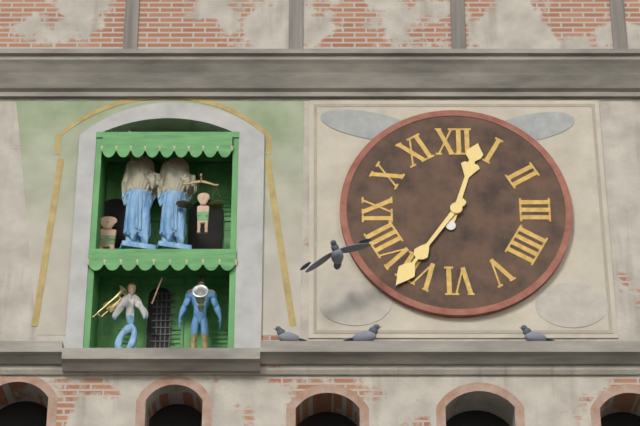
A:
**12:36**
